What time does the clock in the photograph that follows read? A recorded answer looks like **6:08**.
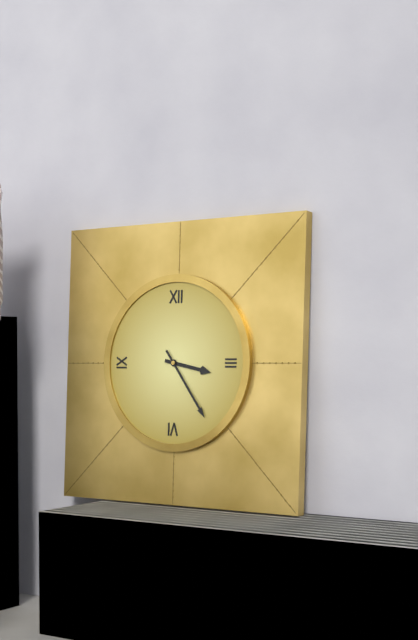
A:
**3:24**
